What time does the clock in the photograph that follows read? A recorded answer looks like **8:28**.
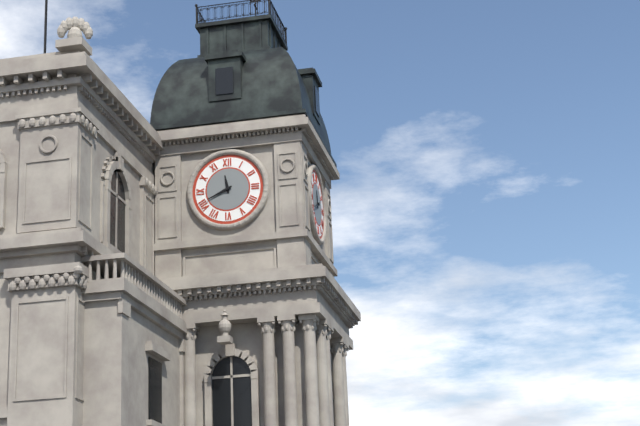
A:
**11:41**
